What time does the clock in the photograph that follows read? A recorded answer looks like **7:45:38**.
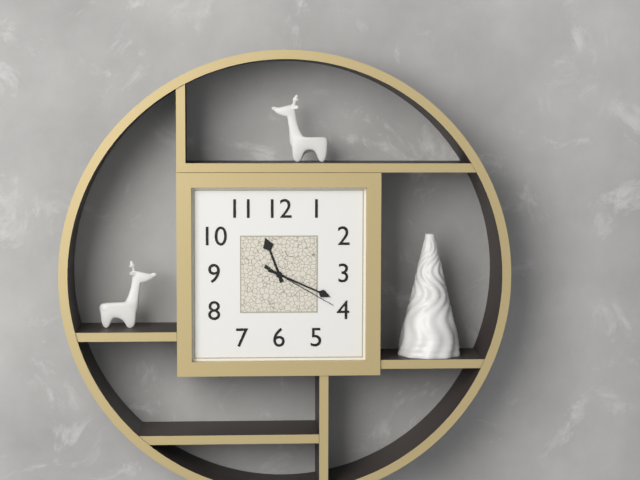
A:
**11:19:20**
